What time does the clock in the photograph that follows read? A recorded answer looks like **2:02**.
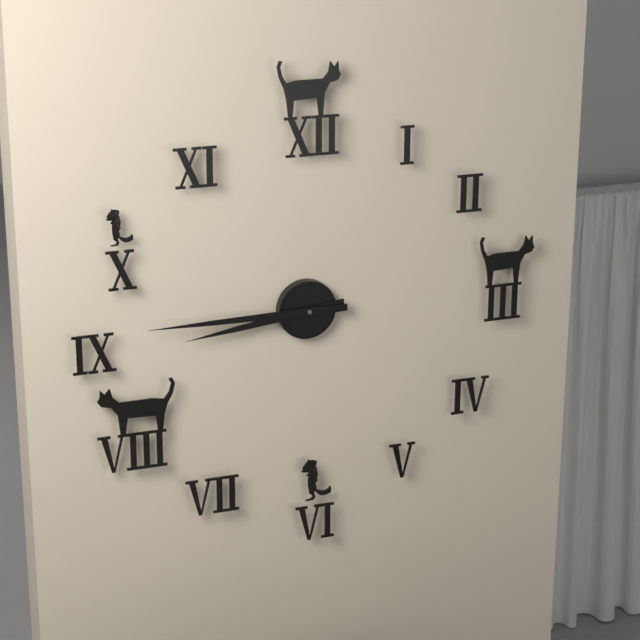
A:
**8:45**
